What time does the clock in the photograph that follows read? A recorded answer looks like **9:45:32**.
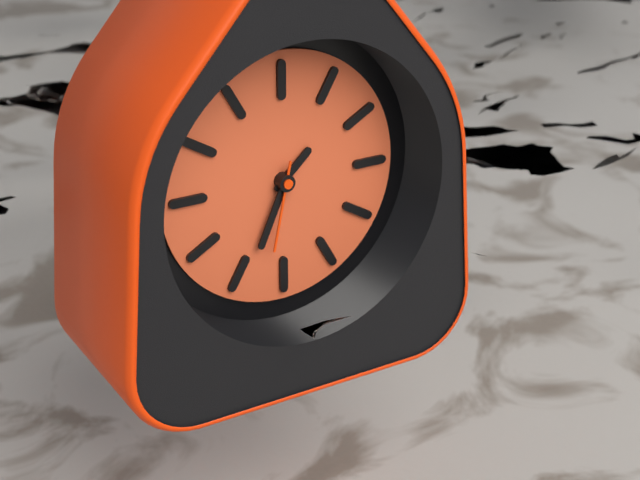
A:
**1:34:32**
